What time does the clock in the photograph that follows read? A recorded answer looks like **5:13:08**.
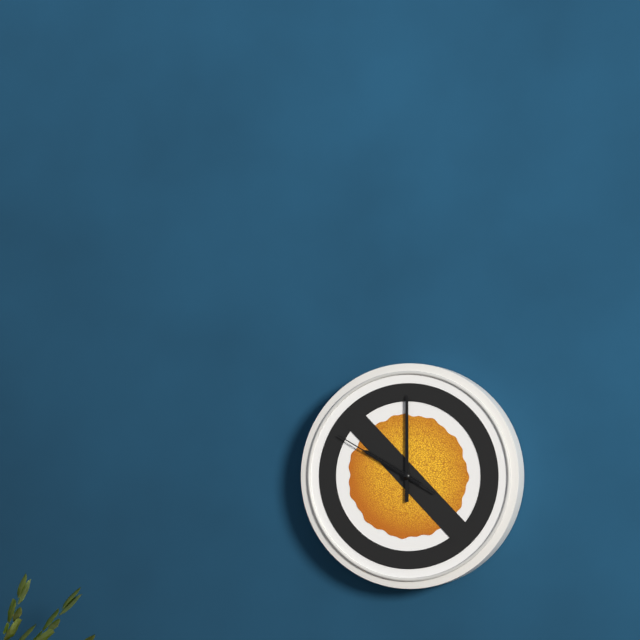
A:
**10:00:50**
